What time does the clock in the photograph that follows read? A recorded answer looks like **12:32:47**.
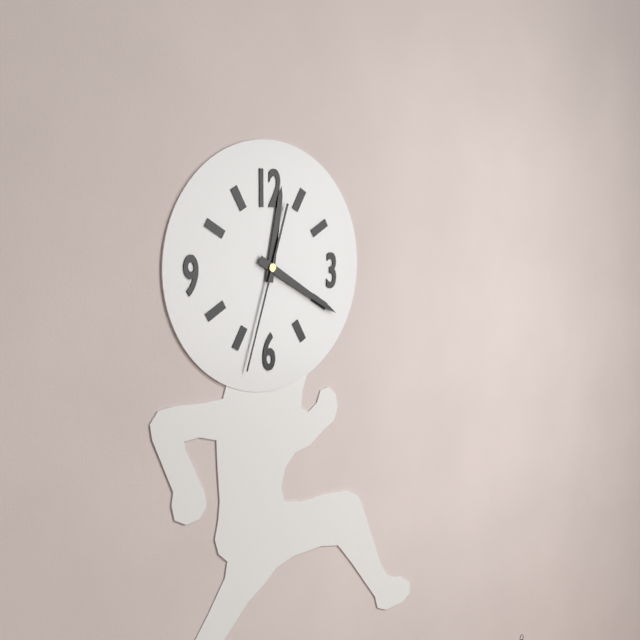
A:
**12:20:33**
